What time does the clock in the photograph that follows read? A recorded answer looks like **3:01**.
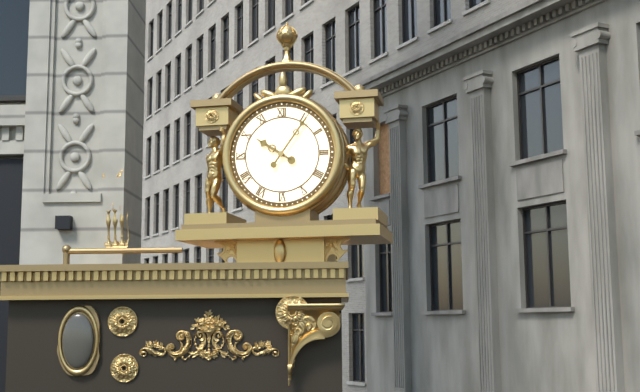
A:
**10:06**
